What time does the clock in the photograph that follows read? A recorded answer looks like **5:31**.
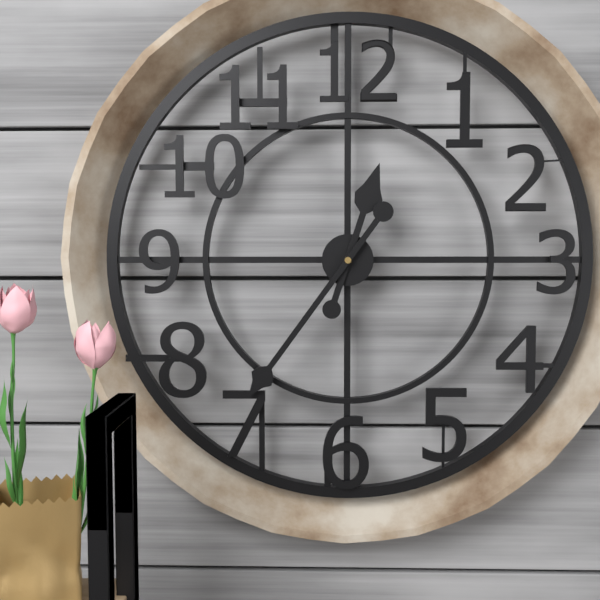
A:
**12:36**
